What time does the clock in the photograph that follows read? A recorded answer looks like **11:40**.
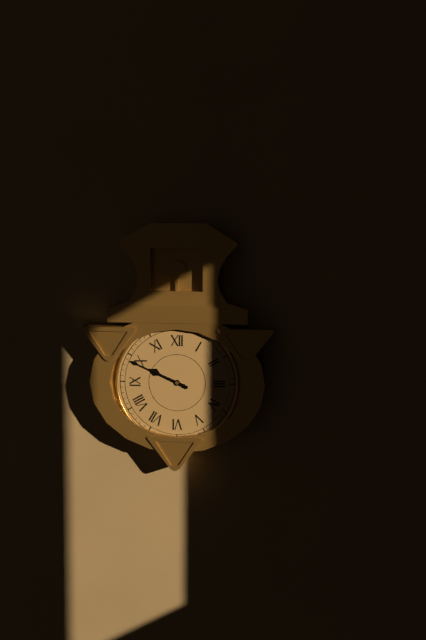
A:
**9:49**
